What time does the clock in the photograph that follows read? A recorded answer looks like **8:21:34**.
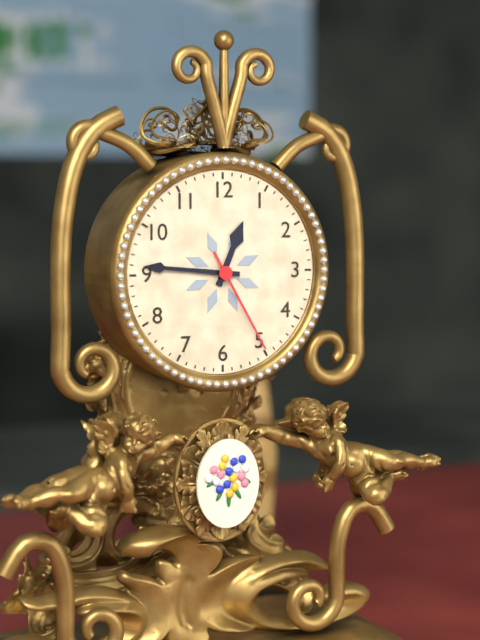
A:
**12:46:25**
